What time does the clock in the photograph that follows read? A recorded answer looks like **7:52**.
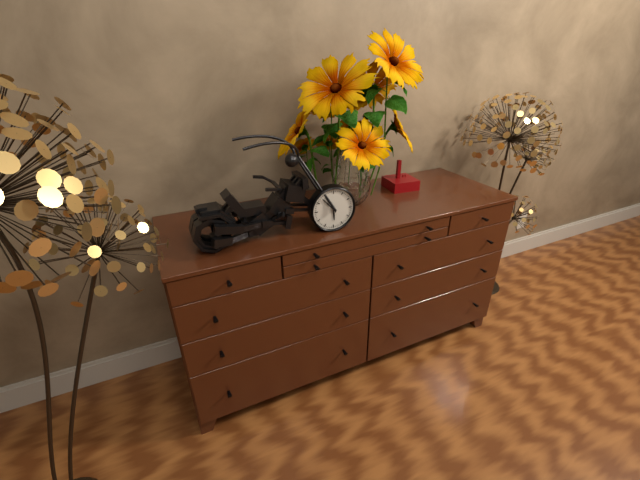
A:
**5:53**
